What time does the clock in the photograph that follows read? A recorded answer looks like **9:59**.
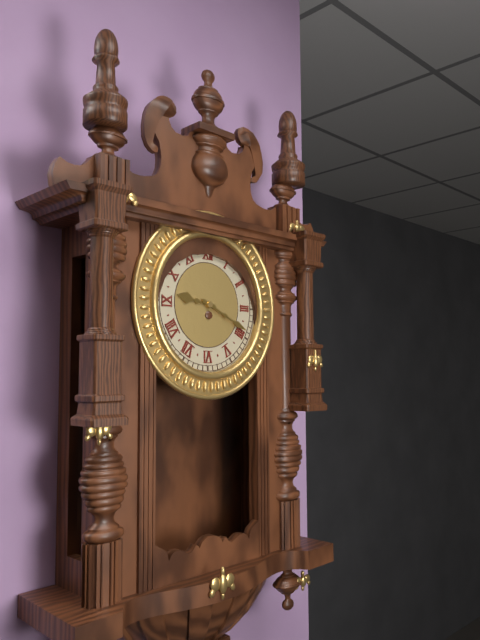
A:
**9:19**
